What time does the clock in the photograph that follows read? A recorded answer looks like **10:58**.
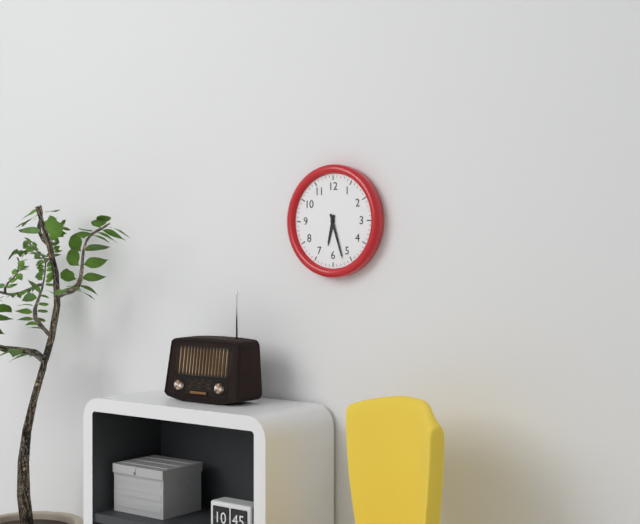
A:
**6:27**
